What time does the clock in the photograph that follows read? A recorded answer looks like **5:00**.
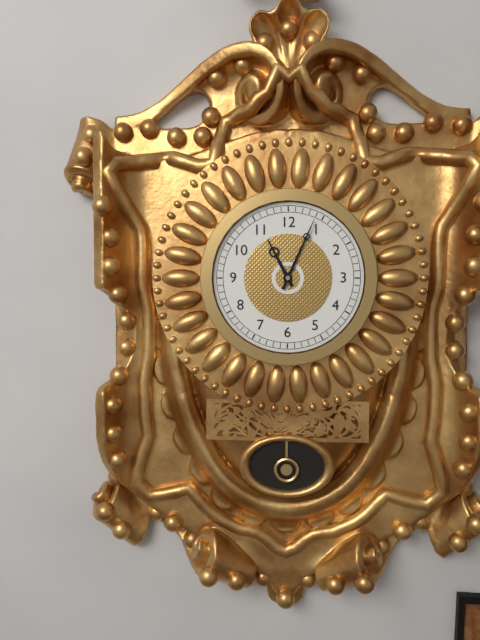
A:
**11:04**
